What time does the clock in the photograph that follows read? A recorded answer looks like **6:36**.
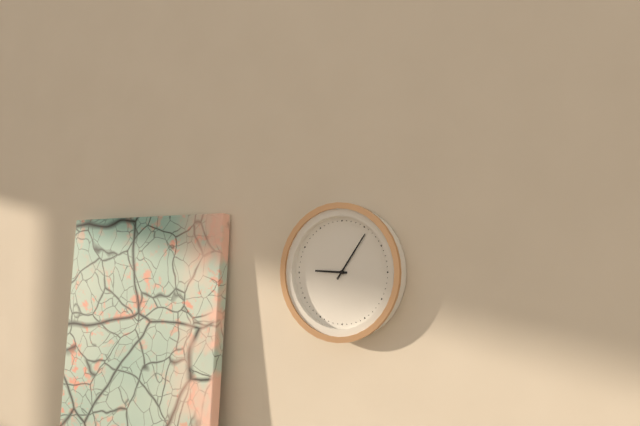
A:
**9:06**
